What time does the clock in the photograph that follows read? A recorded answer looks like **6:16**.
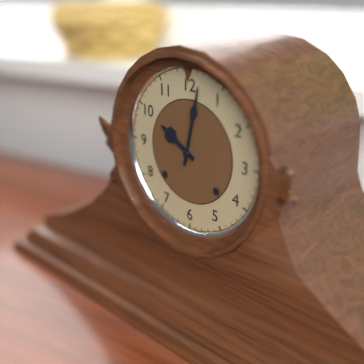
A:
**10:02**
